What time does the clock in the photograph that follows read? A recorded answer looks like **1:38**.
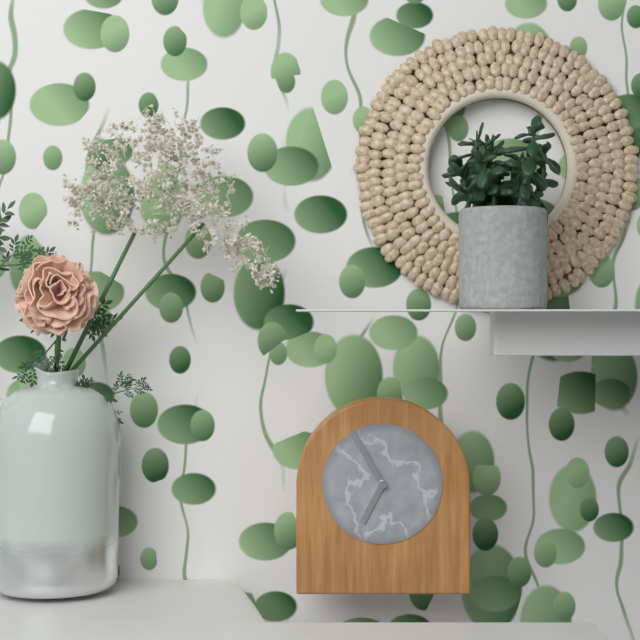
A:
**6:55**
